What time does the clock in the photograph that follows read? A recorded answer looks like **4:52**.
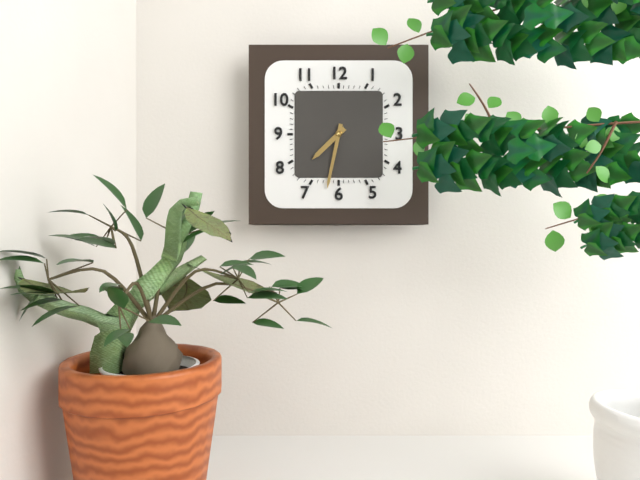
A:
**7:32**
